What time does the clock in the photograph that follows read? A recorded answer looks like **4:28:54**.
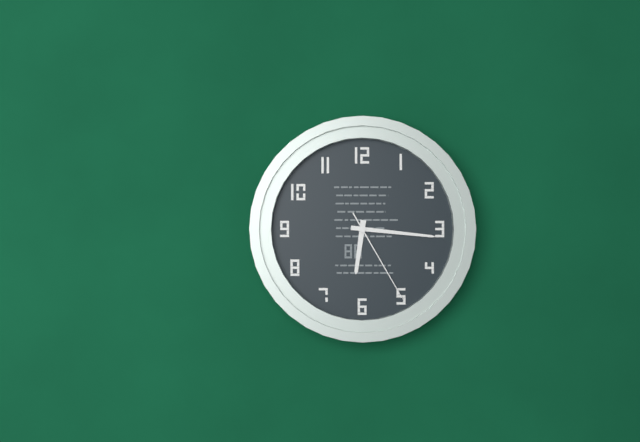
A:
**6:16:25**
